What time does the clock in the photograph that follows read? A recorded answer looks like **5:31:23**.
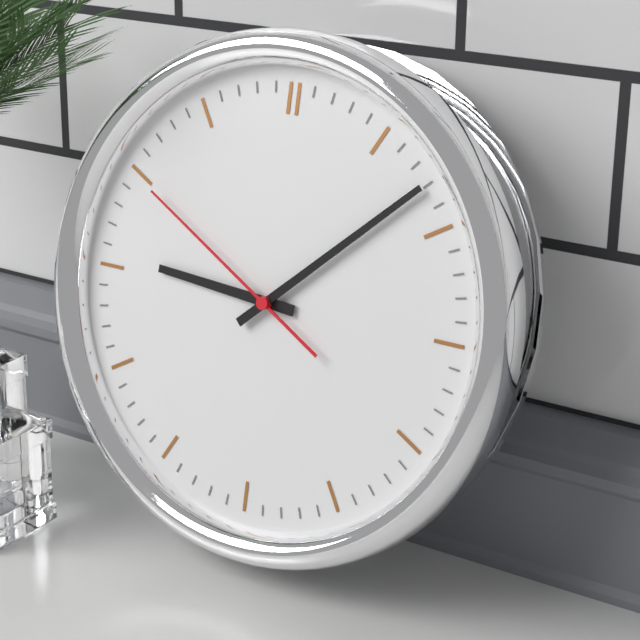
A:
**9:08:50**
